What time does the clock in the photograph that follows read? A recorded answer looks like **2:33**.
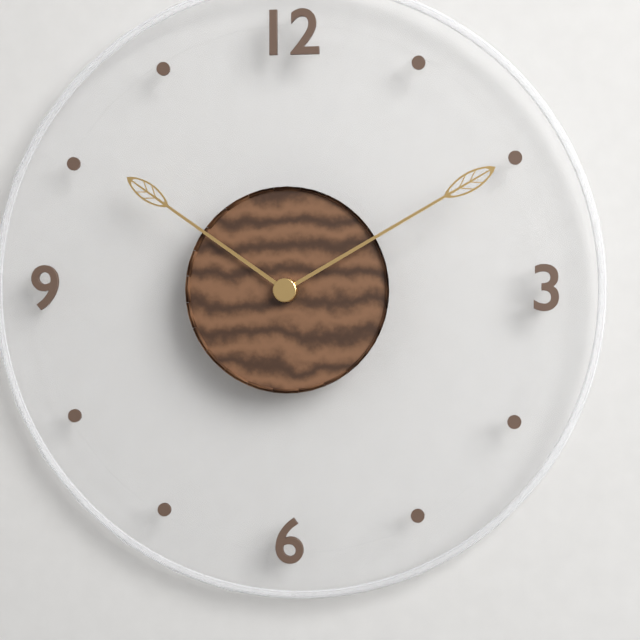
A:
**10:10**
